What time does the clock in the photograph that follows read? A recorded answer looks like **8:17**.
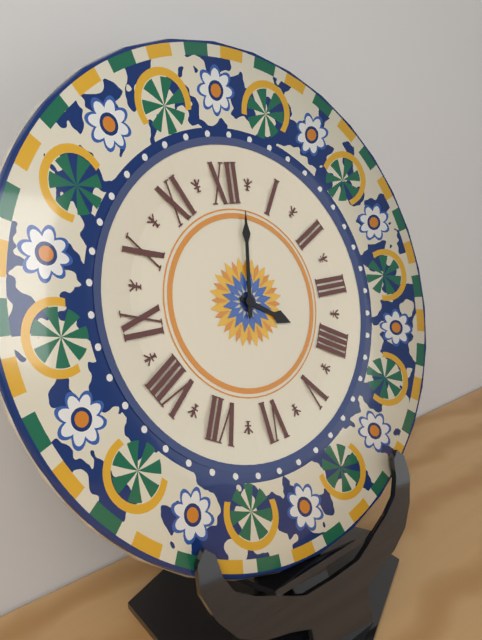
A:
**4:02**
